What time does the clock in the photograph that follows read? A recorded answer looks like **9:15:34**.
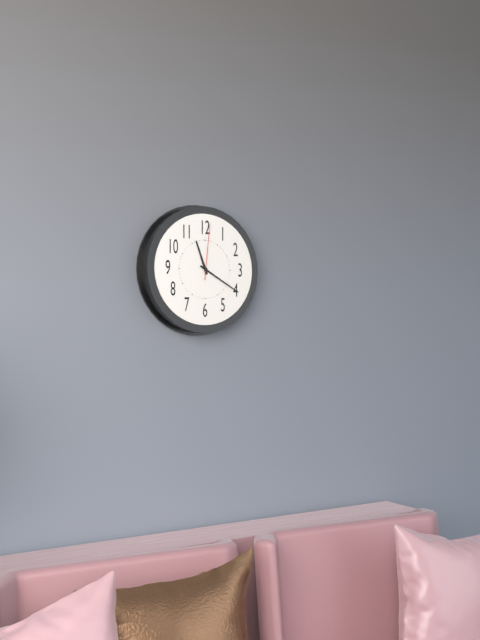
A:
**11:20:01**
